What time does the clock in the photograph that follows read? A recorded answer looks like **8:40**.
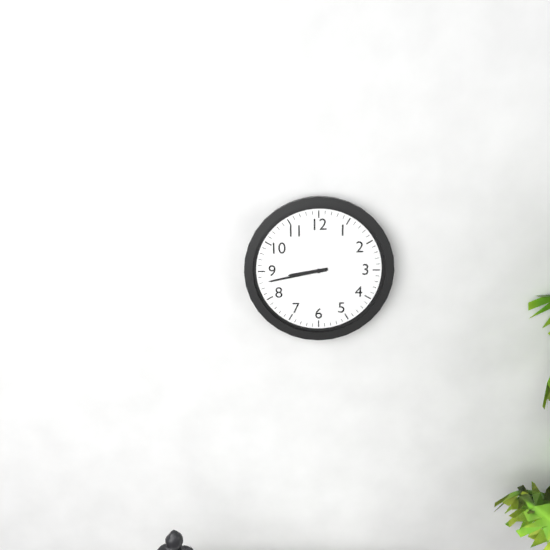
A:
**8:43**
